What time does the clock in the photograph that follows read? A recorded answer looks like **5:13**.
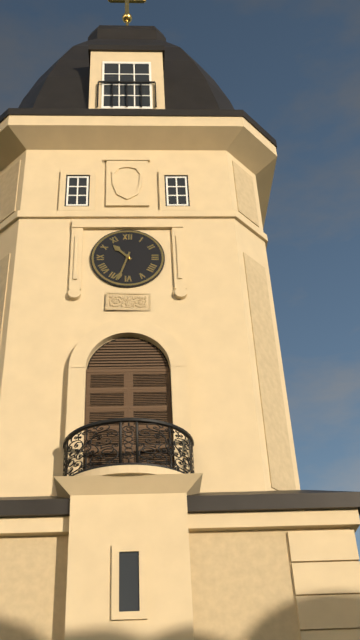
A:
**10:33**
